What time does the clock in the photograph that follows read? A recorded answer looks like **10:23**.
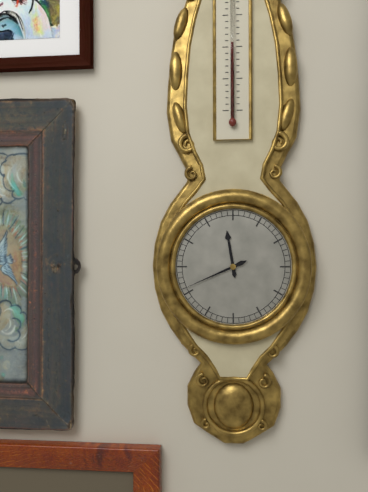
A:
**11:41**
